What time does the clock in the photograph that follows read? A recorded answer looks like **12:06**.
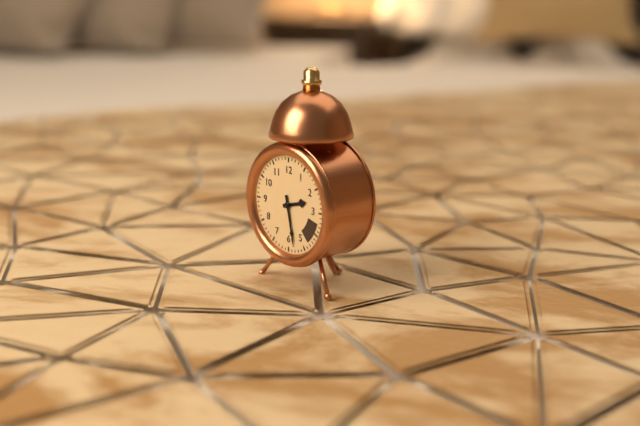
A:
**2:28**
